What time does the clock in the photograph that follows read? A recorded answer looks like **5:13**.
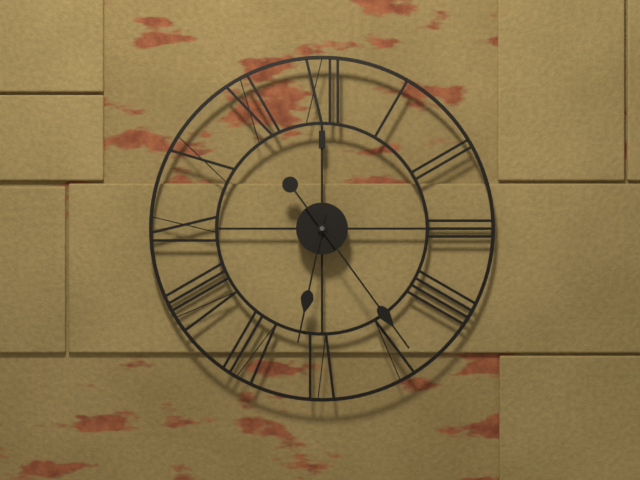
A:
**6:24**
